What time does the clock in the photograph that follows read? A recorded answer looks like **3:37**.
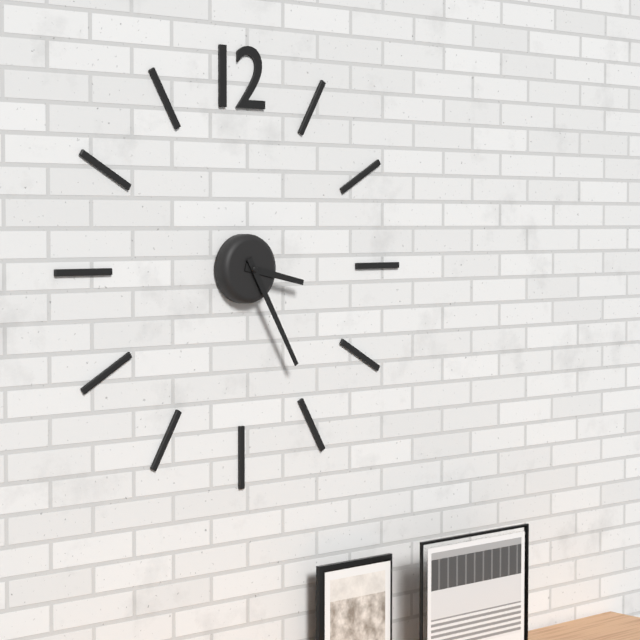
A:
**3:25**
